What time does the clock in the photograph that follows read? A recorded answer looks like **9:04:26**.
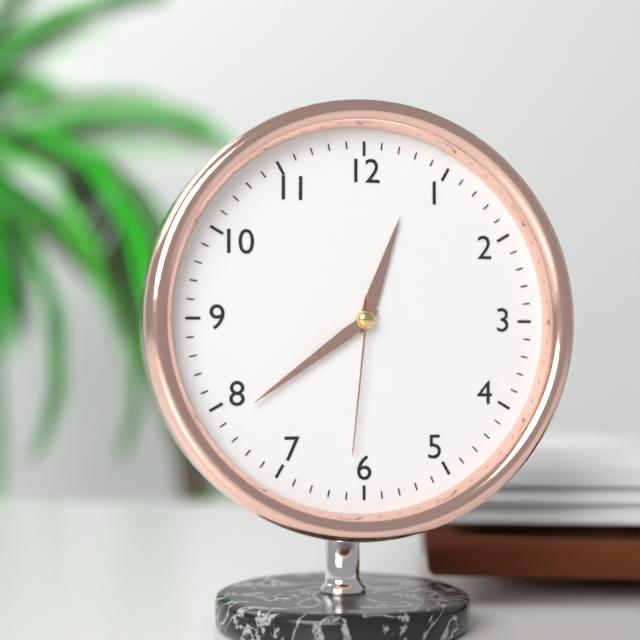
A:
**12:39:31**
